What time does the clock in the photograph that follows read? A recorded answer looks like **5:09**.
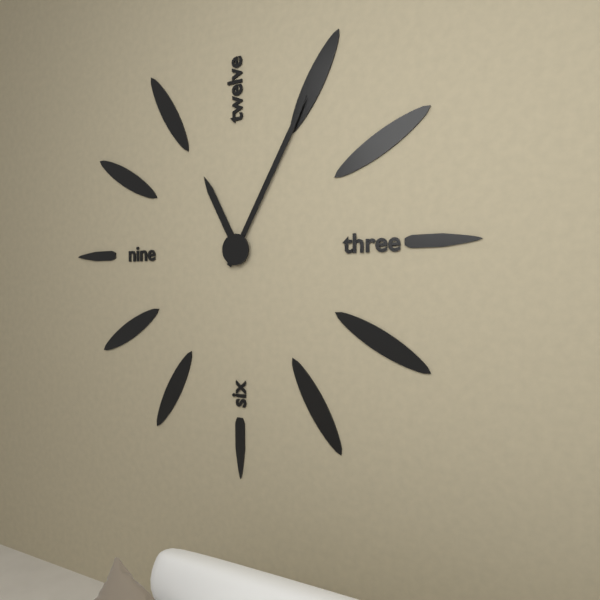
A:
**11:05**
